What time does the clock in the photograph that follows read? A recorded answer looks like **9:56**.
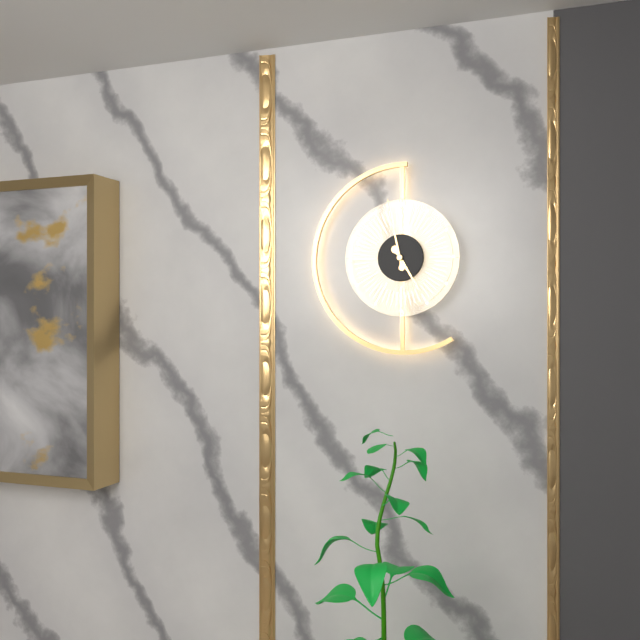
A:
**4:58**
